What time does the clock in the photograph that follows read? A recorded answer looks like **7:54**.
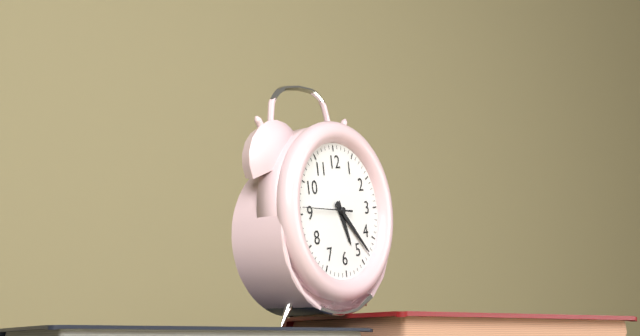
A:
**5:23**
